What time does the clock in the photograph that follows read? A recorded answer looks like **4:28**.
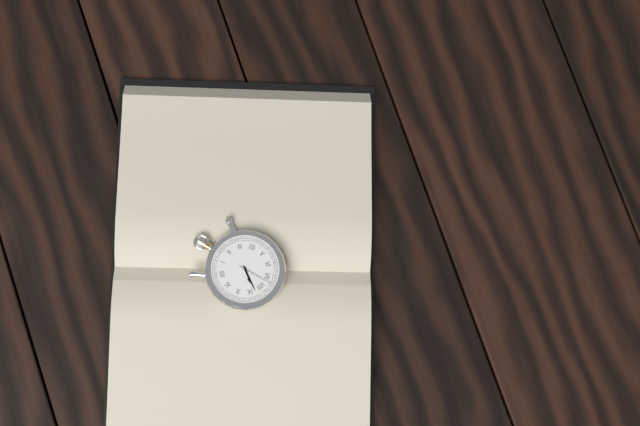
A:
**8:43**
